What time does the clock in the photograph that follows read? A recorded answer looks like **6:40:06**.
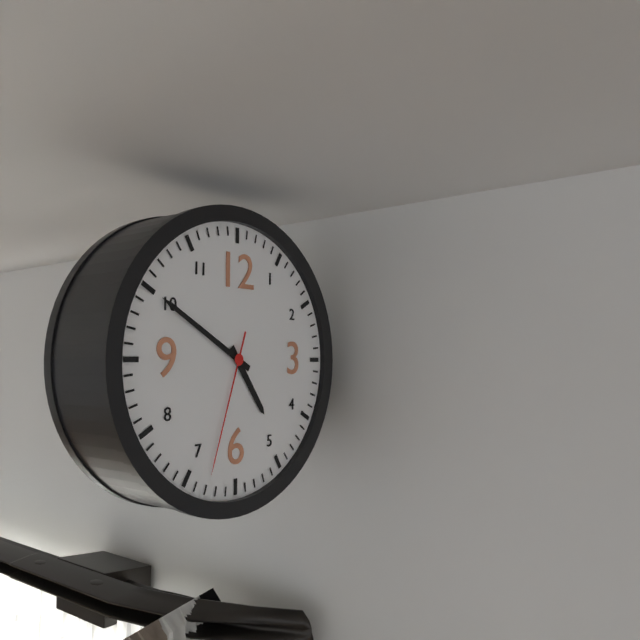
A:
**4:50:33**
